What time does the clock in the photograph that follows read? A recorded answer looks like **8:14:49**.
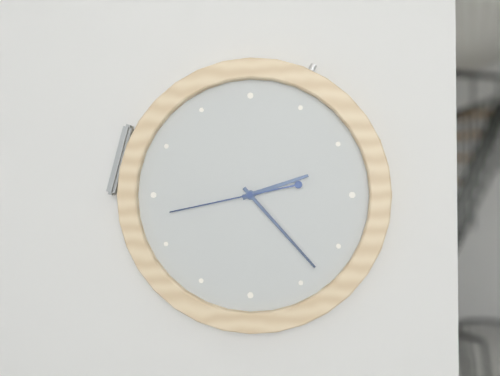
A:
**2:23:43**
